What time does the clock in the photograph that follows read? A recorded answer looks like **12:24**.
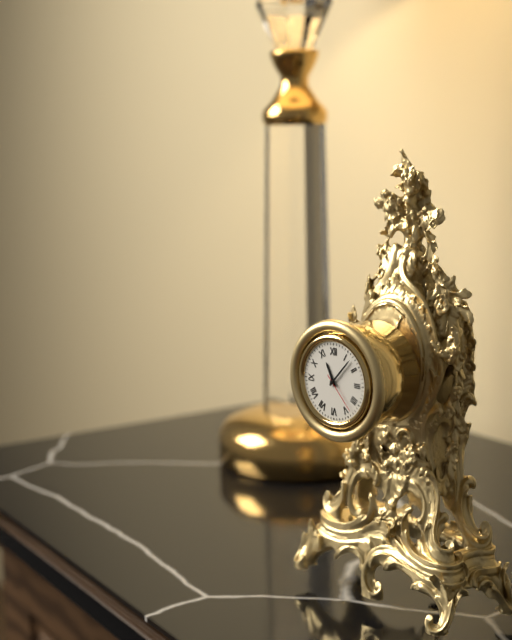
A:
**11:07**
